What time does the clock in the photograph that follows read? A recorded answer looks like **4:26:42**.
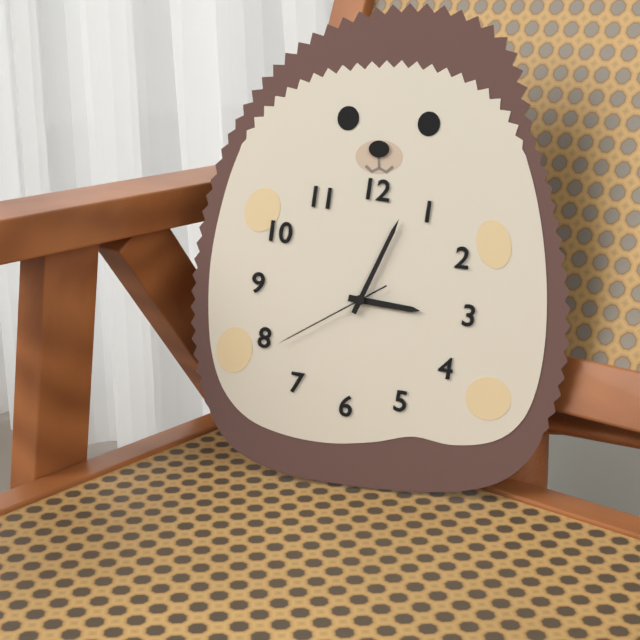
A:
**3:03:39**
